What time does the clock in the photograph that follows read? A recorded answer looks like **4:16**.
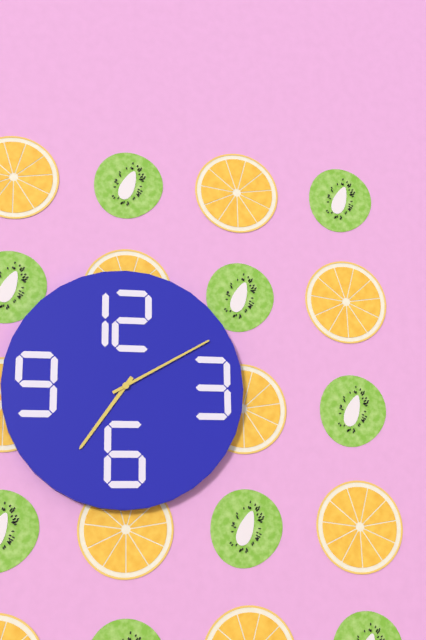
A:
**7:10**
